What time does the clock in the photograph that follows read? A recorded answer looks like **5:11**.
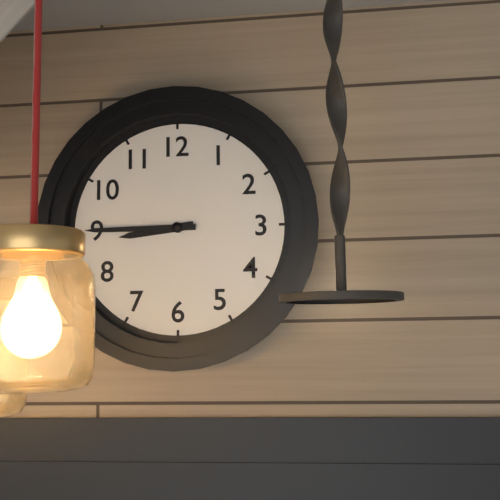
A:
**8:45**
